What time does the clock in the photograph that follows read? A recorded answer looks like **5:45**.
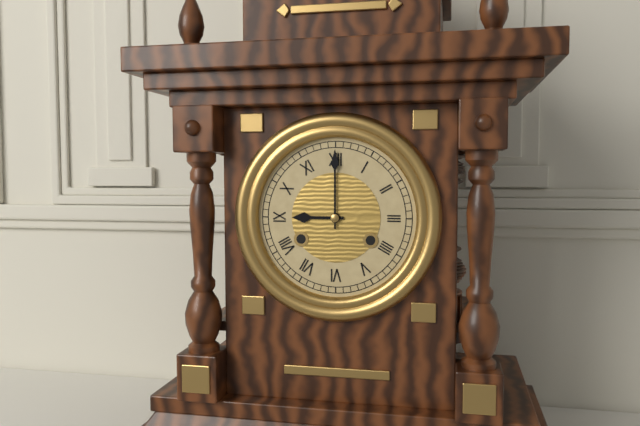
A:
**9:00**
